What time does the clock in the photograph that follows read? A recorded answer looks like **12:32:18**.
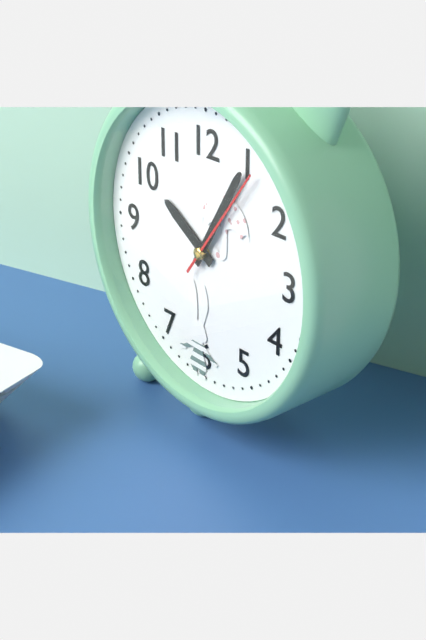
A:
**10:05:06**
